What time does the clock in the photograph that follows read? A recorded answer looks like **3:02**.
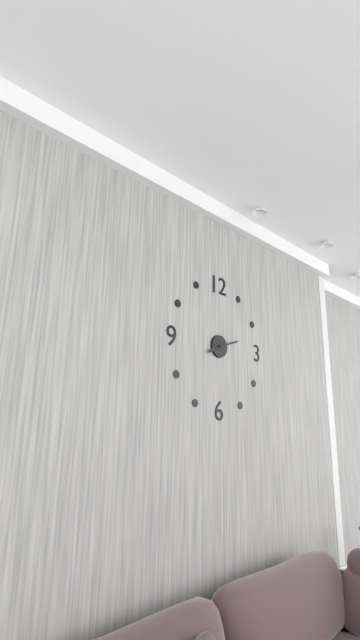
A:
**8:12**
